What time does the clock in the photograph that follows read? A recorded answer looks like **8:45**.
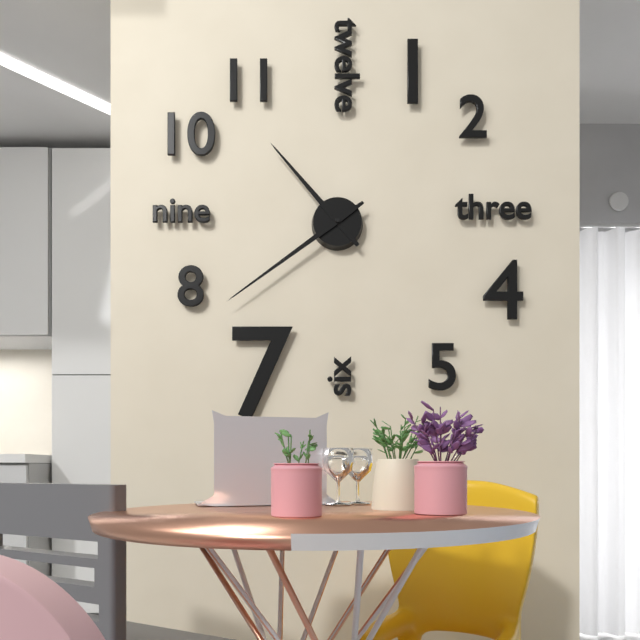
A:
**10:39**
